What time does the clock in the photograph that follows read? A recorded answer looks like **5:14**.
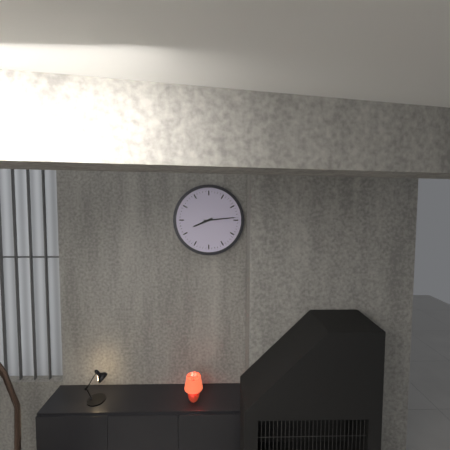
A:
**8:14**
